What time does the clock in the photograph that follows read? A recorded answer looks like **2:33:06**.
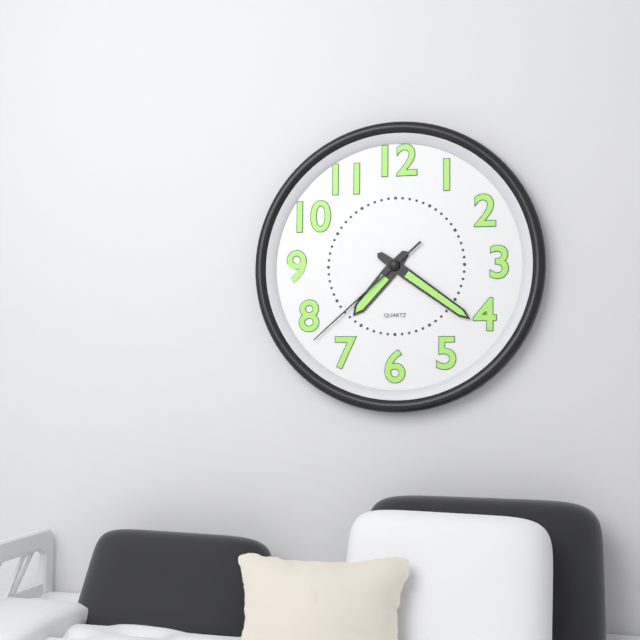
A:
**7:21:38**
